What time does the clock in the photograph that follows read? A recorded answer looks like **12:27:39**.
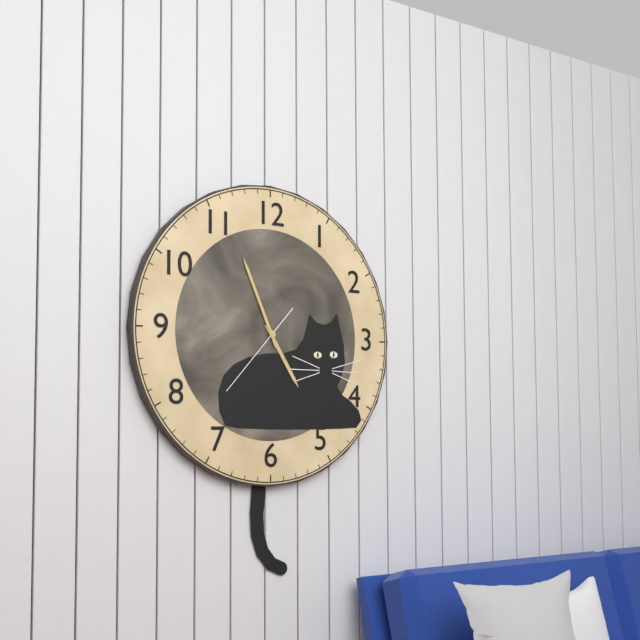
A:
**4:56:37**
